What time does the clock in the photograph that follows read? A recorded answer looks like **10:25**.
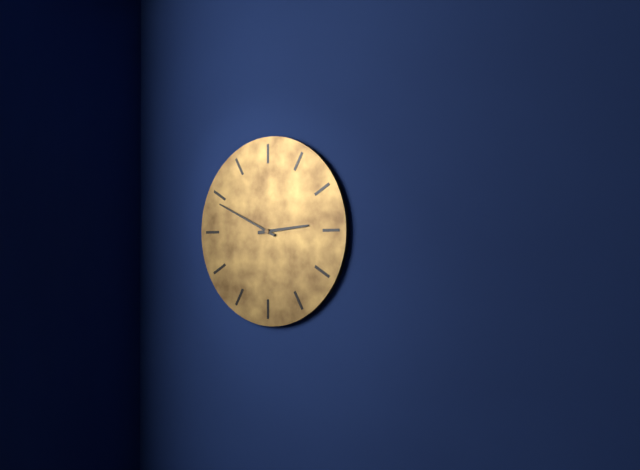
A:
**2:49**
